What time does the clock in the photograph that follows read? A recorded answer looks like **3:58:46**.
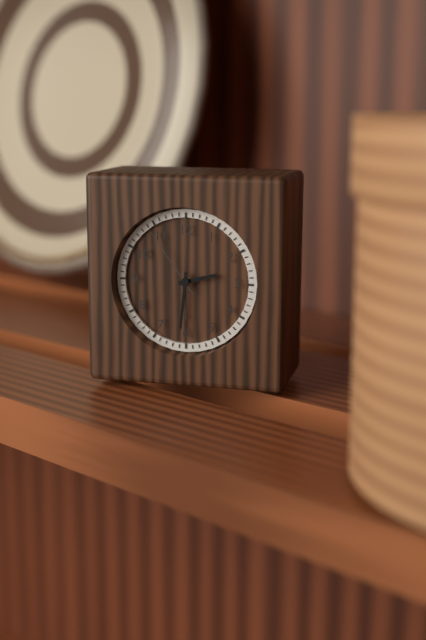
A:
**2:31:54**
